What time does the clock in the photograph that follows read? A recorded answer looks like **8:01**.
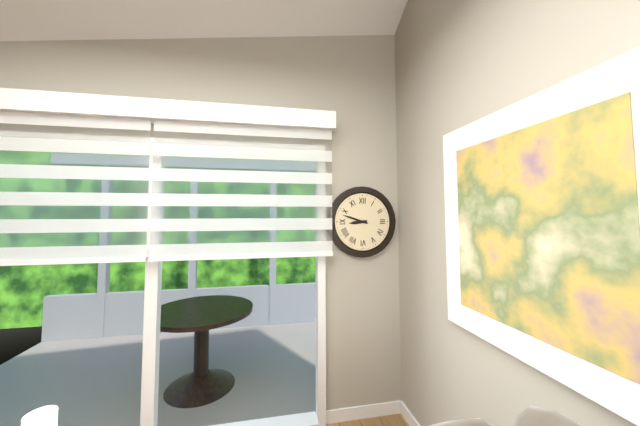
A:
**8:48**
